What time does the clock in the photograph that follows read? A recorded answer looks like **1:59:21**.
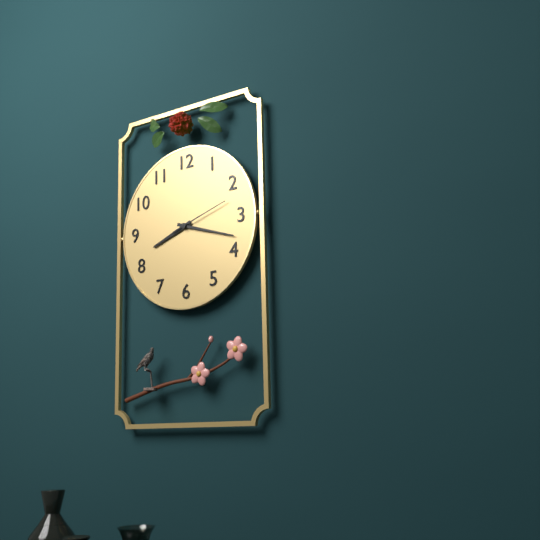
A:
**8:18:12**
